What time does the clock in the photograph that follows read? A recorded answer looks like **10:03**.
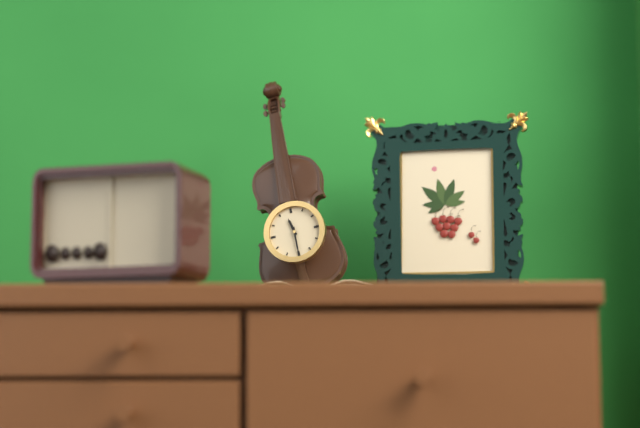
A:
**11:30**
